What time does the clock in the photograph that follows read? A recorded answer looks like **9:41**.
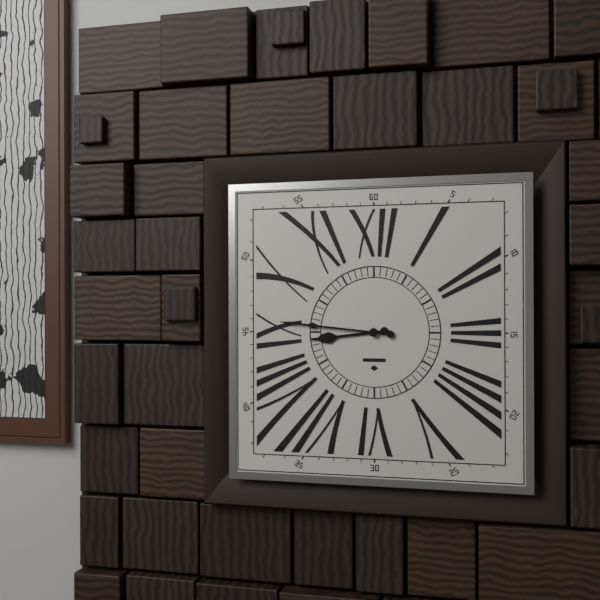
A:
**8:46**
